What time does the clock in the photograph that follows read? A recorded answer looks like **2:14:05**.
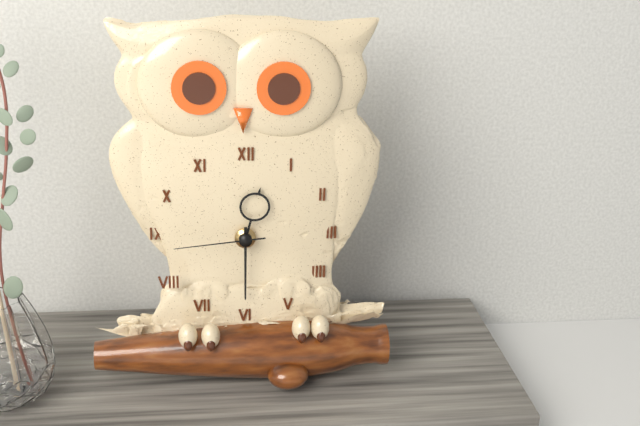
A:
**12:30:44**
